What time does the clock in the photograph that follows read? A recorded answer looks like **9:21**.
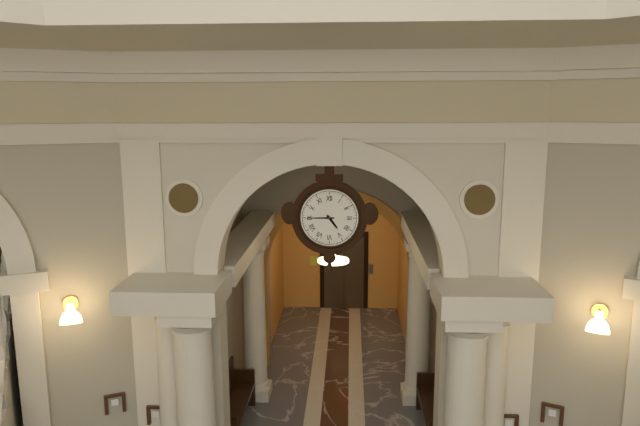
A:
**4:45**
